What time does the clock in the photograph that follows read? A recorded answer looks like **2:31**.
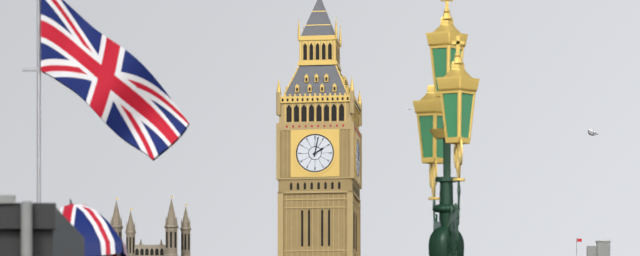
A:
**2:02**
